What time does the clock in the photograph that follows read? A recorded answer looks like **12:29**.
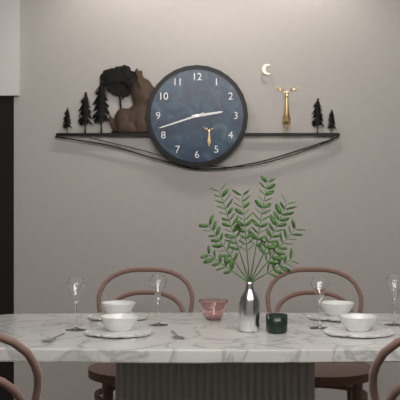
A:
**2:42**
